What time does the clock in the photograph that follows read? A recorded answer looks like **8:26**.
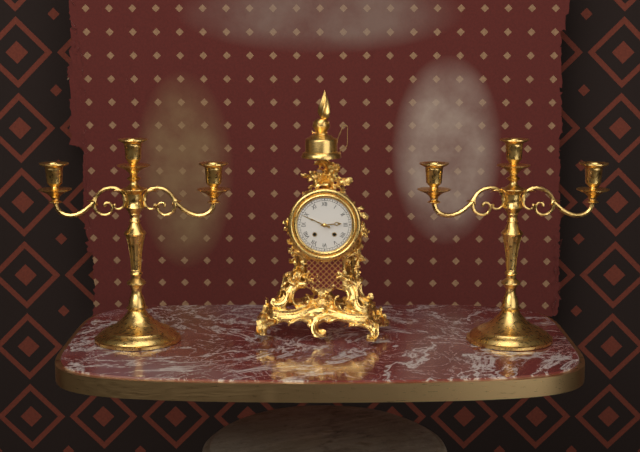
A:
**2:49**
